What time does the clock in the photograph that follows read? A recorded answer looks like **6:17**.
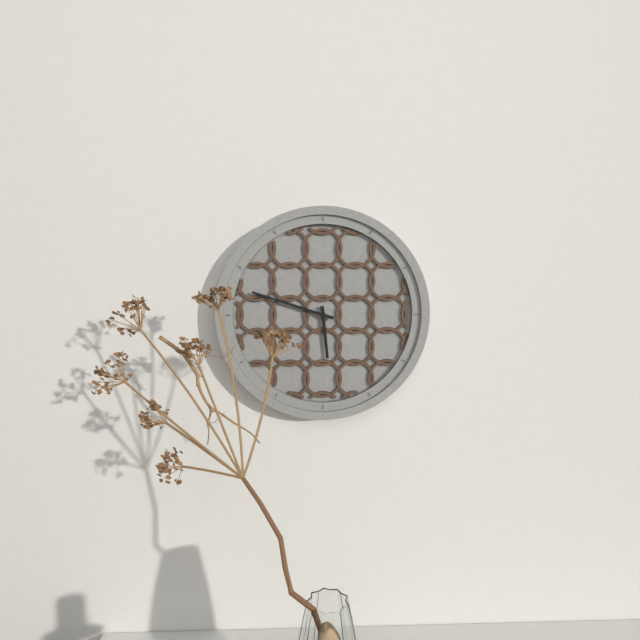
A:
**5:48**
